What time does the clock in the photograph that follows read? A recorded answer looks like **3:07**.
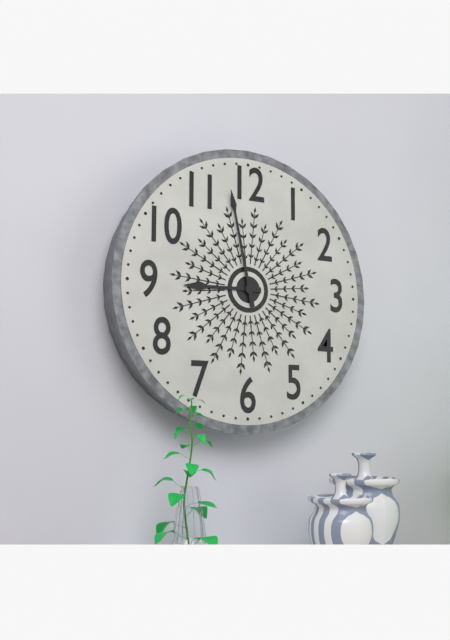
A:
**8:58**
